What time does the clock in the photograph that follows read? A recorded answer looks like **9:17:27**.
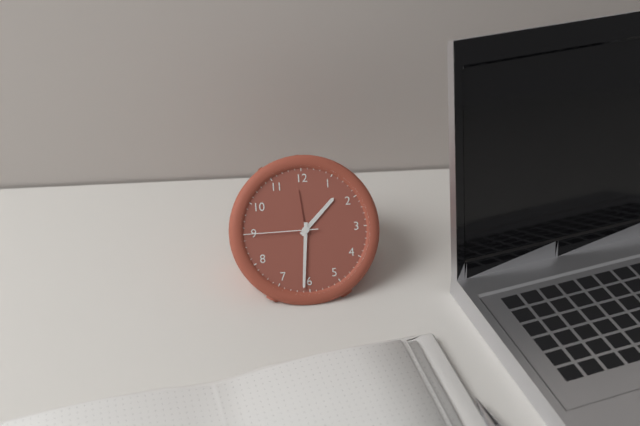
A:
**1:31:45**
